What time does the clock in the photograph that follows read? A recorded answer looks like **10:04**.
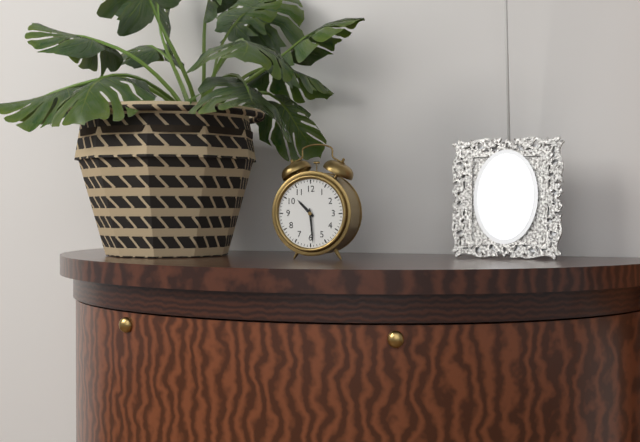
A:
**10:29**
